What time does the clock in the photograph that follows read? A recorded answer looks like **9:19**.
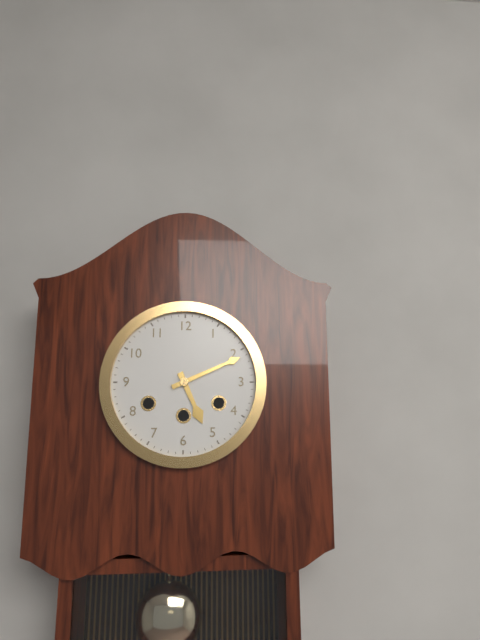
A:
**5:11**
